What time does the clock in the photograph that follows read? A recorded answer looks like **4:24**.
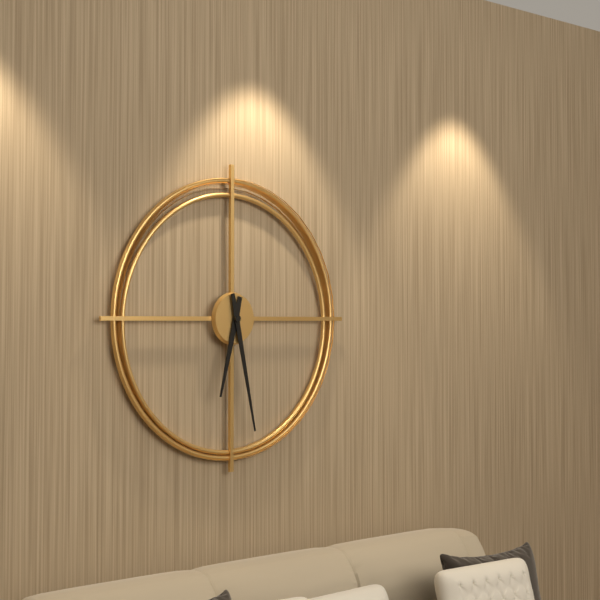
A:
**6:28**
